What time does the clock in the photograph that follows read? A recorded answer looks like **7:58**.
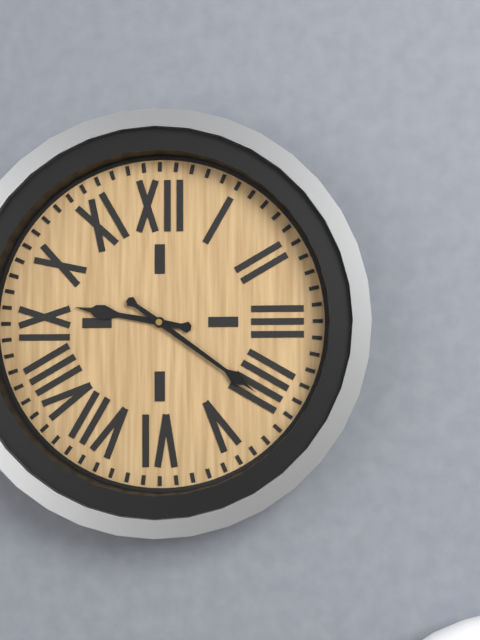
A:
**9:21**
